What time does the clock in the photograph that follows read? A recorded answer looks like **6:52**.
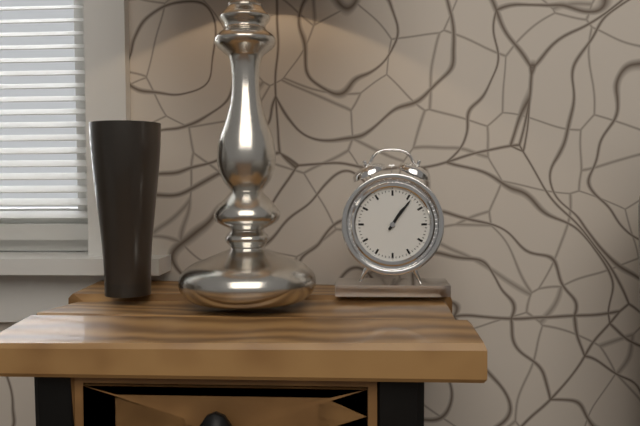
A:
**1:06**
